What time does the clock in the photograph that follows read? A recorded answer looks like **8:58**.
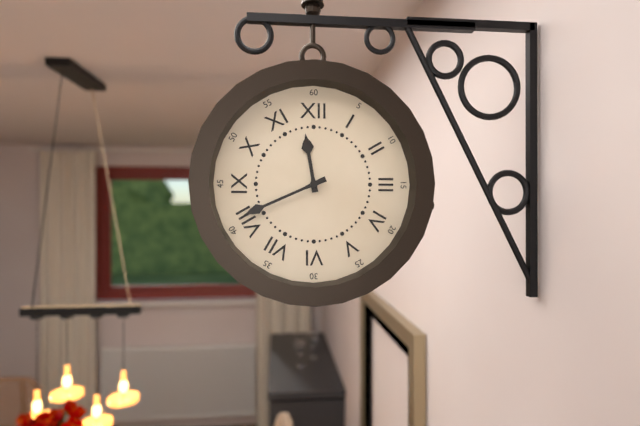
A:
**11:41**
